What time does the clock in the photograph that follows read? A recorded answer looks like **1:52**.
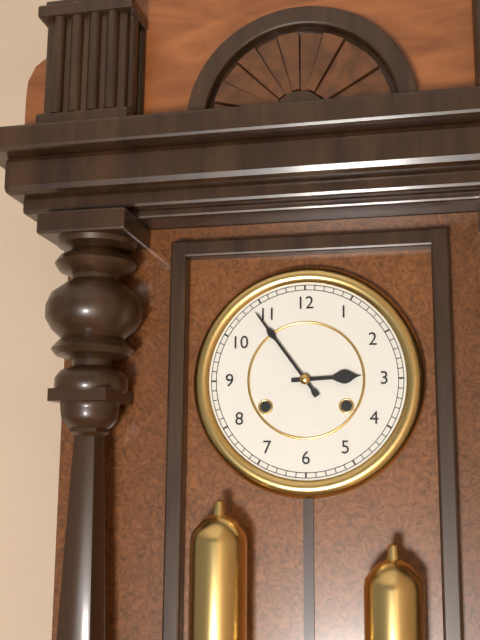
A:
**2:54**
